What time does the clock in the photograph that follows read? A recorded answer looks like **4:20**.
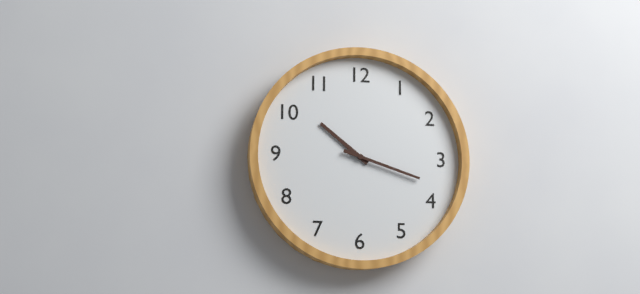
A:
**10:18**
